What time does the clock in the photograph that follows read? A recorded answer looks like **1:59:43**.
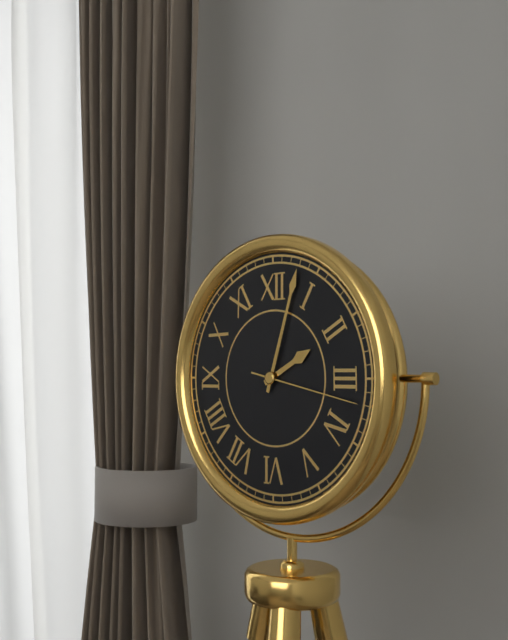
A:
**2:03:17**
